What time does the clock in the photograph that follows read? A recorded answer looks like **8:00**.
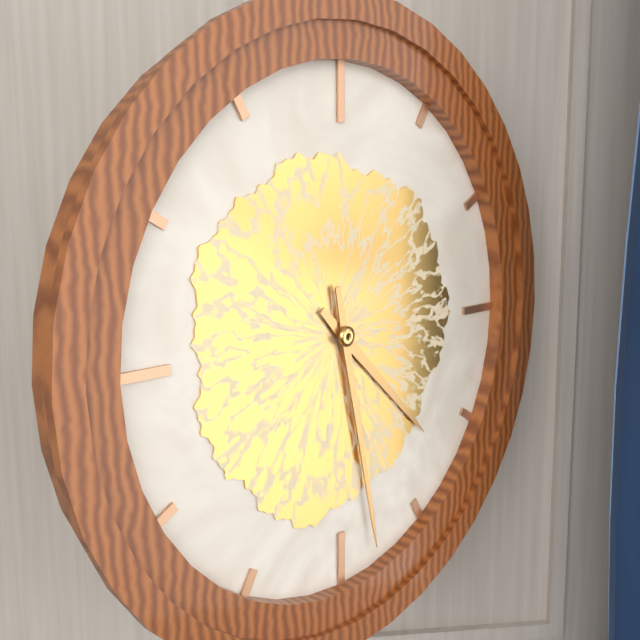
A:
**4:28**
